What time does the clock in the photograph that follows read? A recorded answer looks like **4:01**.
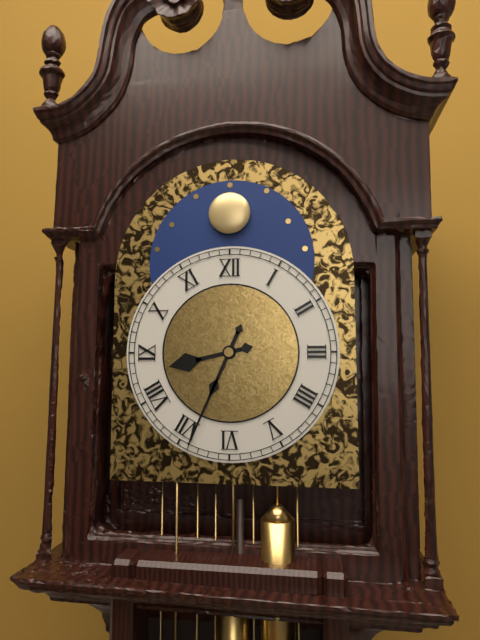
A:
**8:34**
